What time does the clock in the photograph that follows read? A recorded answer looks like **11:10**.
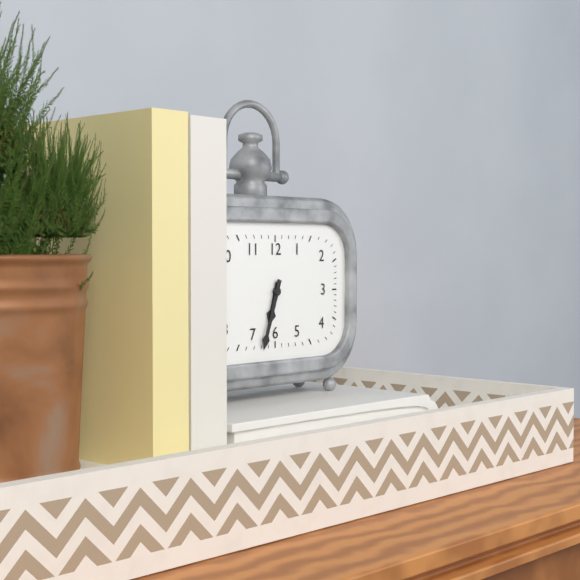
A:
**6:33**
